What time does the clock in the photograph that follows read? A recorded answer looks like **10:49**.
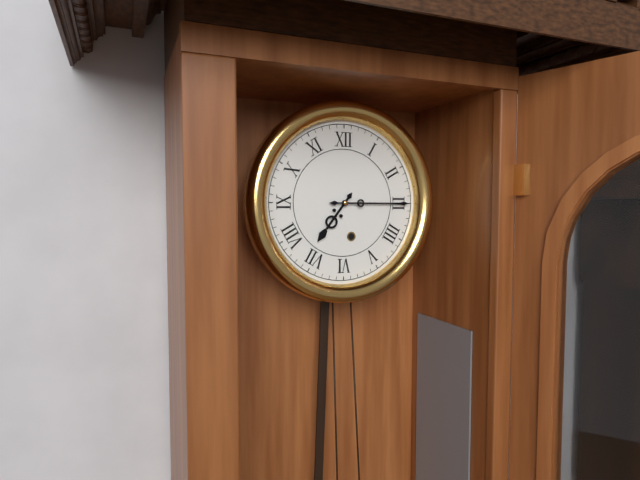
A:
**7:15**
